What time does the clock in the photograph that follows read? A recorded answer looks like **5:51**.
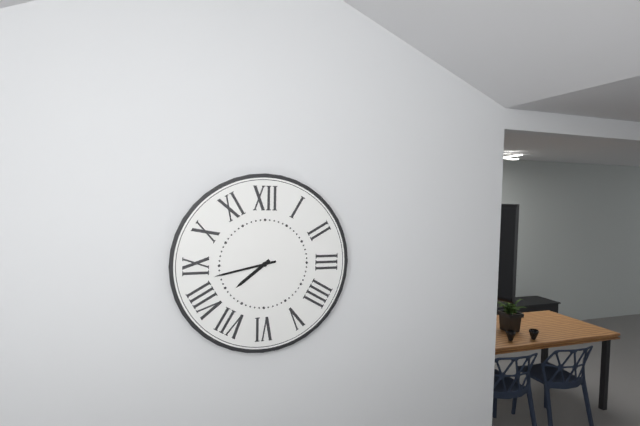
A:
**7:43**
